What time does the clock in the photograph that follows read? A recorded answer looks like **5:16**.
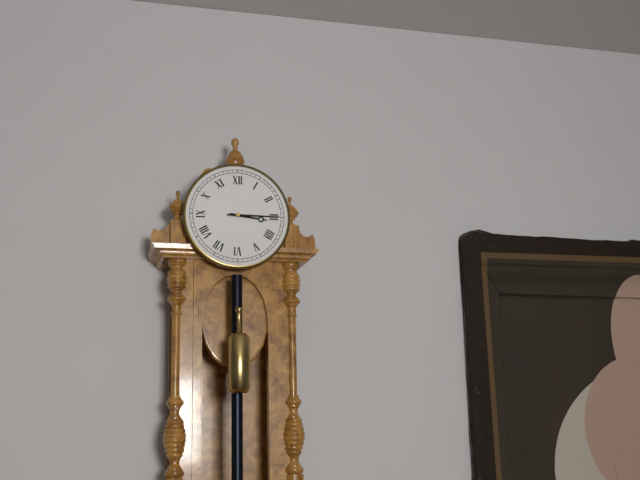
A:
**3:15**
